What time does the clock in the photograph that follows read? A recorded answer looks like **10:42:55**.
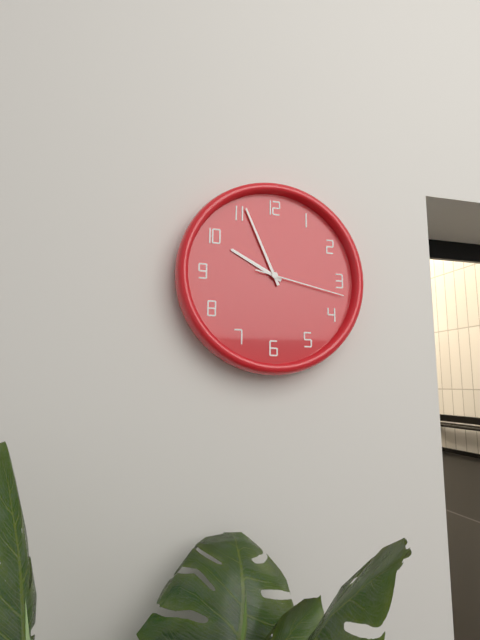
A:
**9:56:17**
